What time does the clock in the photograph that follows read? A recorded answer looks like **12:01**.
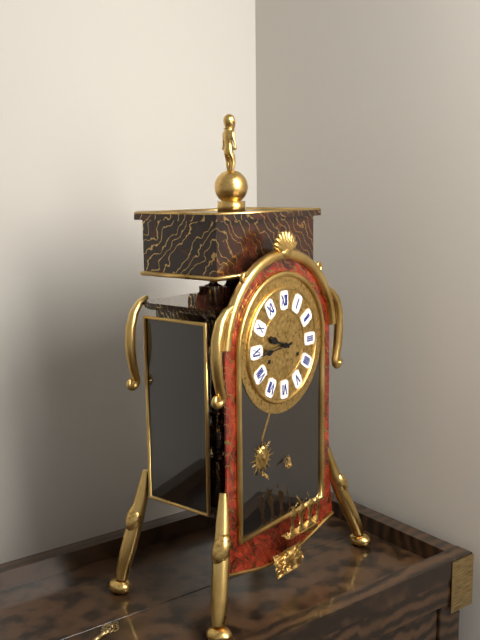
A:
**9:44**
